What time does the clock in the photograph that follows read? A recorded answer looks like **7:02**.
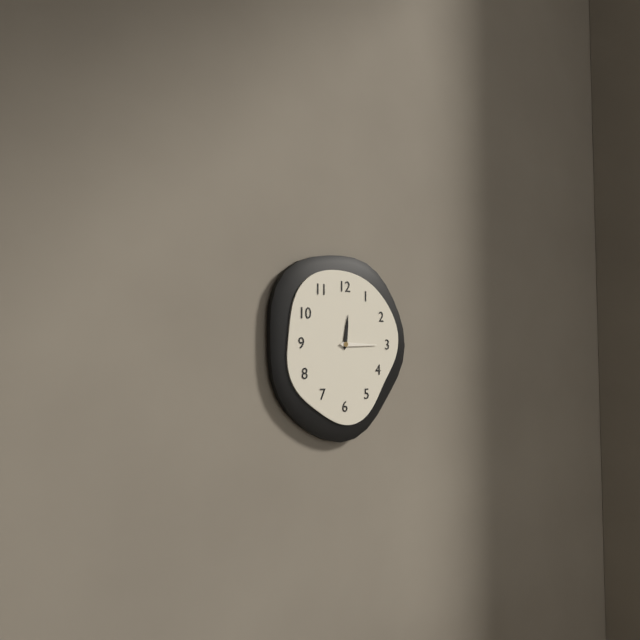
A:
**12:15**
